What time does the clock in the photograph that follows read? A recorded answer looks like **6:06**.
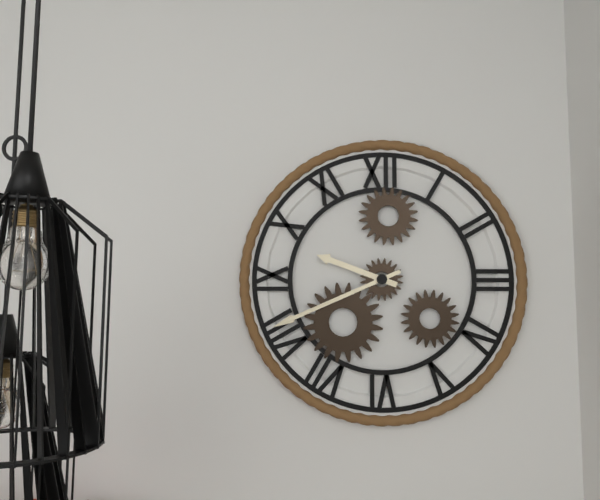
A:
**9:41**
